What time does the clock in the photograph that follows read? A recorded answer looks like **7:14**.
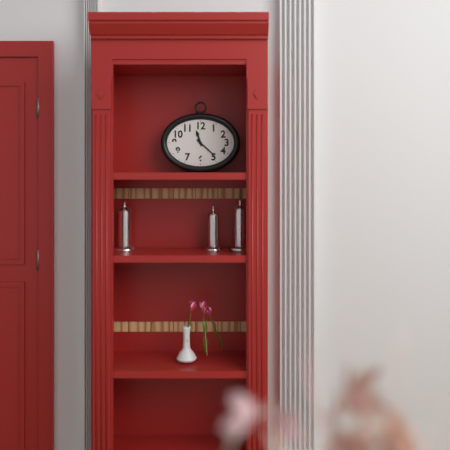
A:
**11:22**
